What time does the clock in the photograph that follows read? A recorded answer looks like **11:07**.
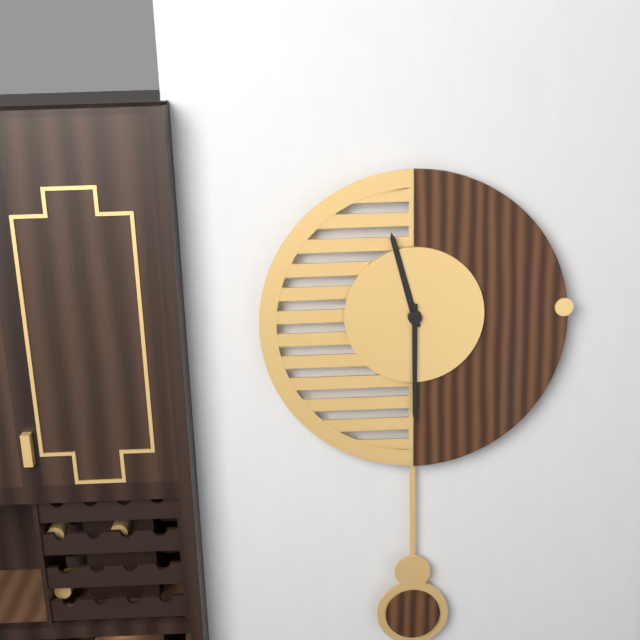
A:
**11:30**
